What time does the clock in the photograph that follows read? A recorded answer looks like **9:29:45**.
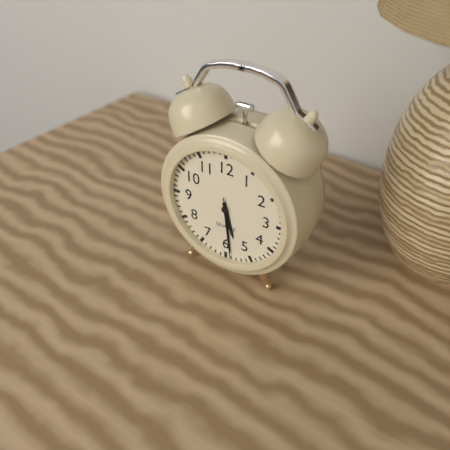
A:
**5:29:29**
